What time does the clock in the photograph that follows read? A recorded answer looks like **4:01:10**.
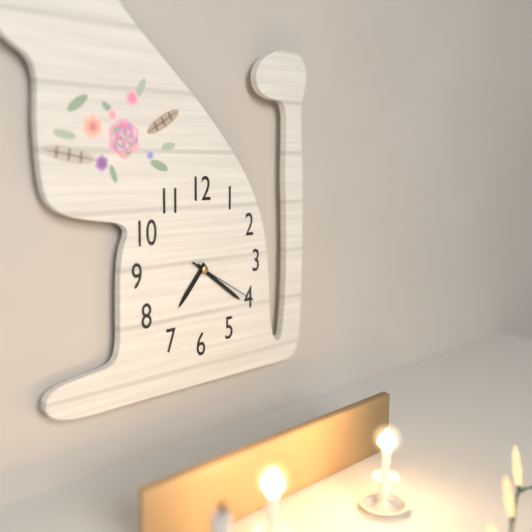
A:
**7:21:20**
